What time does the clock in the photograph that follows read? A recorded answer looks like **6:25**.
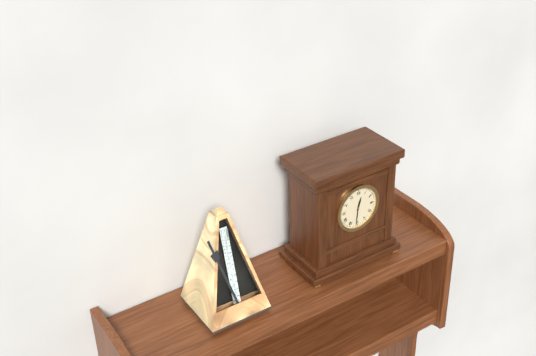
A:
**12:31**
